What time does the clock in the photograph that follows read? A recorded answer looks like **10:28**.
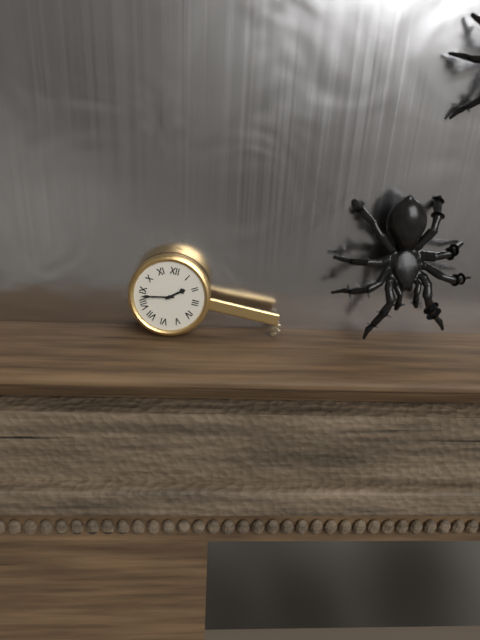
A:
**1:43**
